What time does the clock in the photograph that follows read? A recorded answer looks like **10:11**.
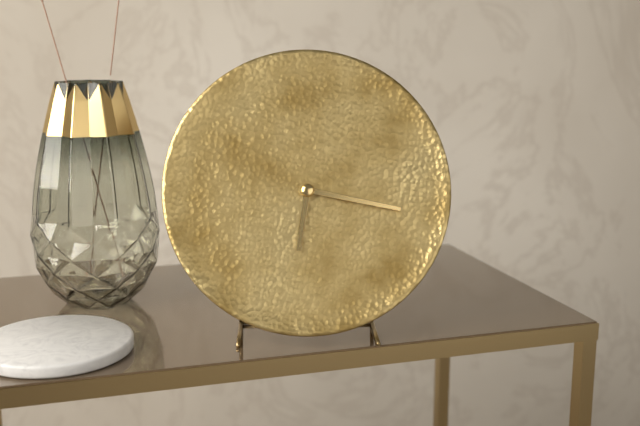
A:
**6:17**
